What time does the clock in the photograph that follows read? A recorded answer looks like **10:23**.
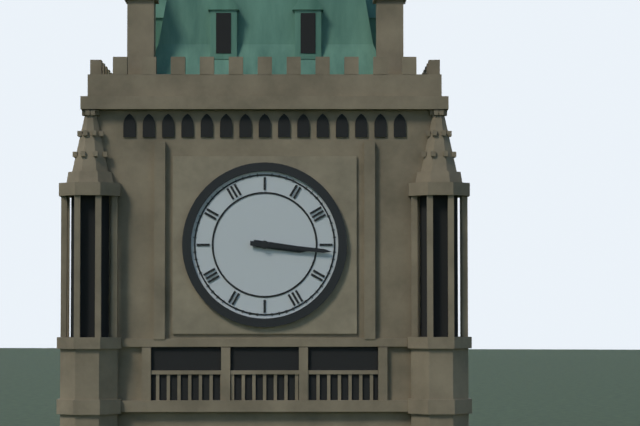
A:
**3:16**
